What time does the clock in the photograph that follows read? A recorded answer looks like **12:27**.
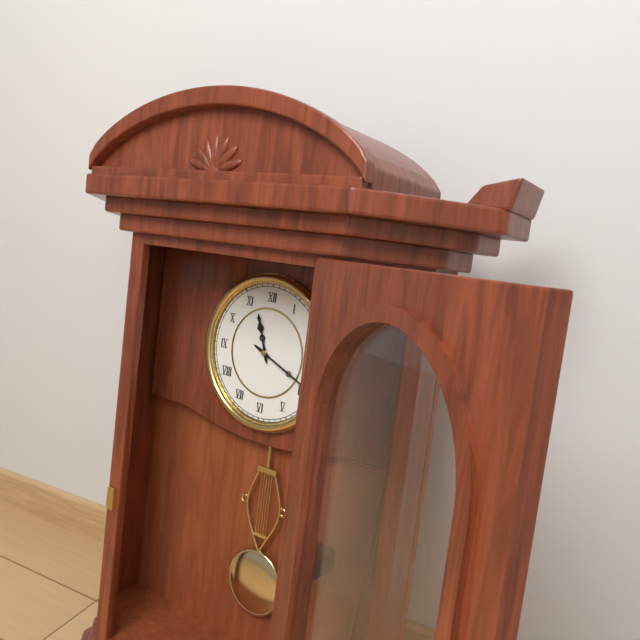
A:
**11:19**
